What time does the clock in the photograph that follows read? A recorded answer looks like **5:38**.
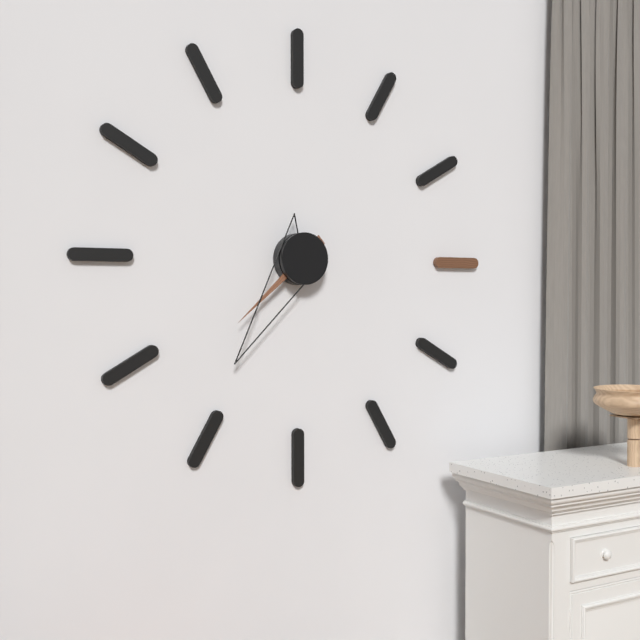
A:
**7:36**
